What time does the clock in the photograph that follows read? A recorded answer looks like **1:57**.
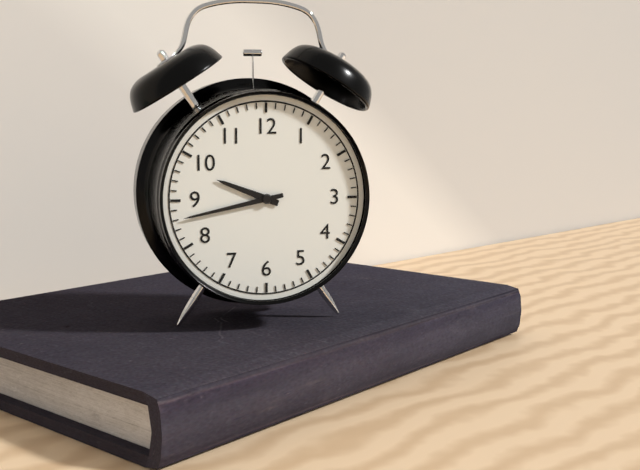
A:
**9:43**
